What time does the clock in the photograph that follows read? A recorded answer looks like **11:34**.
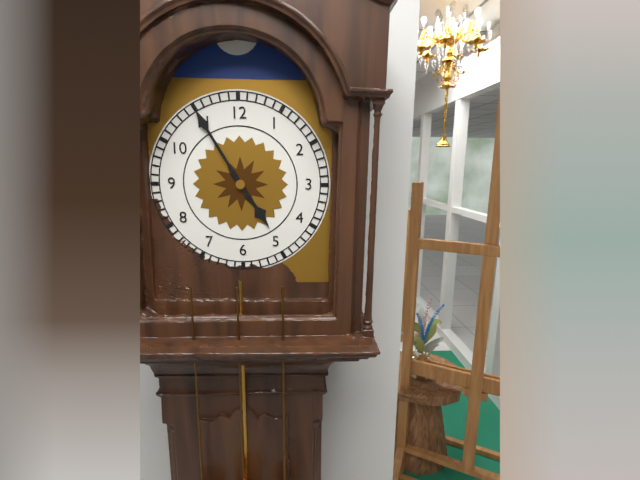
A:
**4:55**
